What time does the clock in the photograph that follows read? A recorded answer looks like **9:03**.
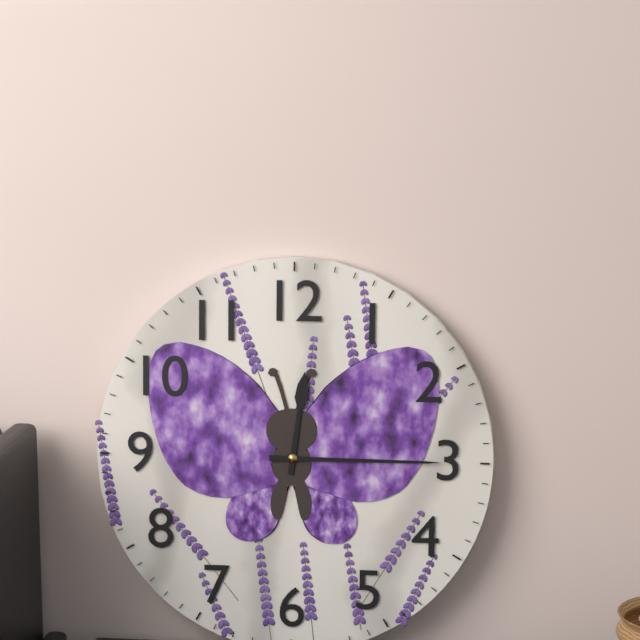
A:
**12:15**
